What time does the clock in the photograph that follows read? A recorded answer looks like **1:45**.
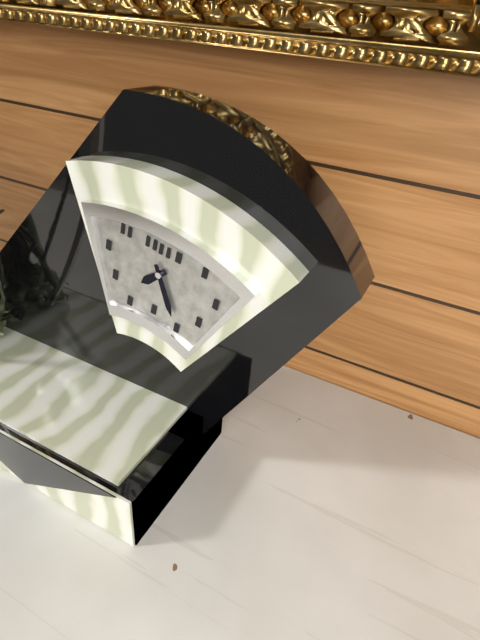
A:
**7:25**
